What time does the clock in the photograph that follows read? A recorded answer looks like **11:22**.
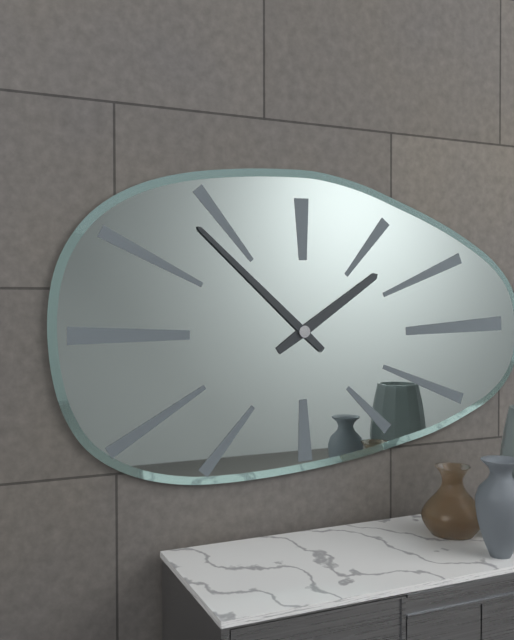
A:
**1:52**
